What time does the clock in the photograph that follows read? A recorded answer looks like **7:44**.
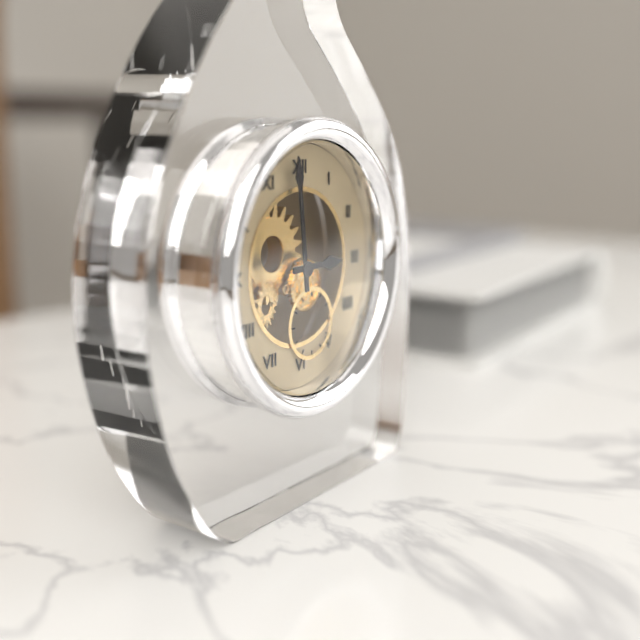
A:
**2:59**
